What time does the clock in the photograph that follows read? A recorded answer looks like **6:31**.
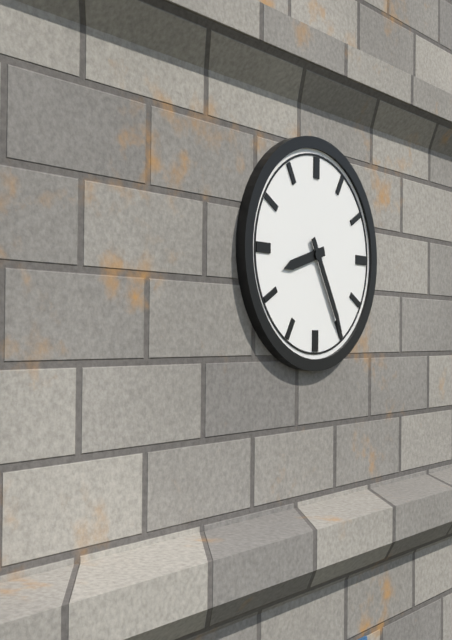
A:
**8:25**
